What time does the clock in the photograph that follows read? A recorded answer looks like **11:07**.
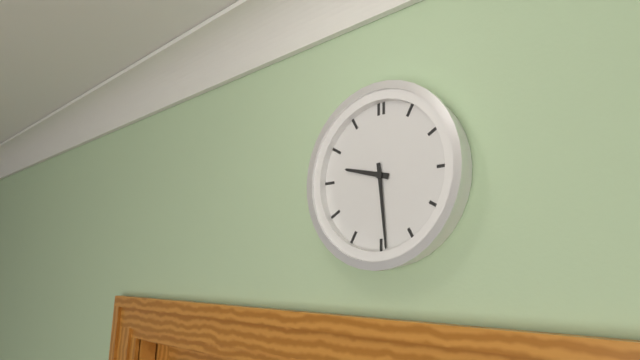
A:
**9:29**
